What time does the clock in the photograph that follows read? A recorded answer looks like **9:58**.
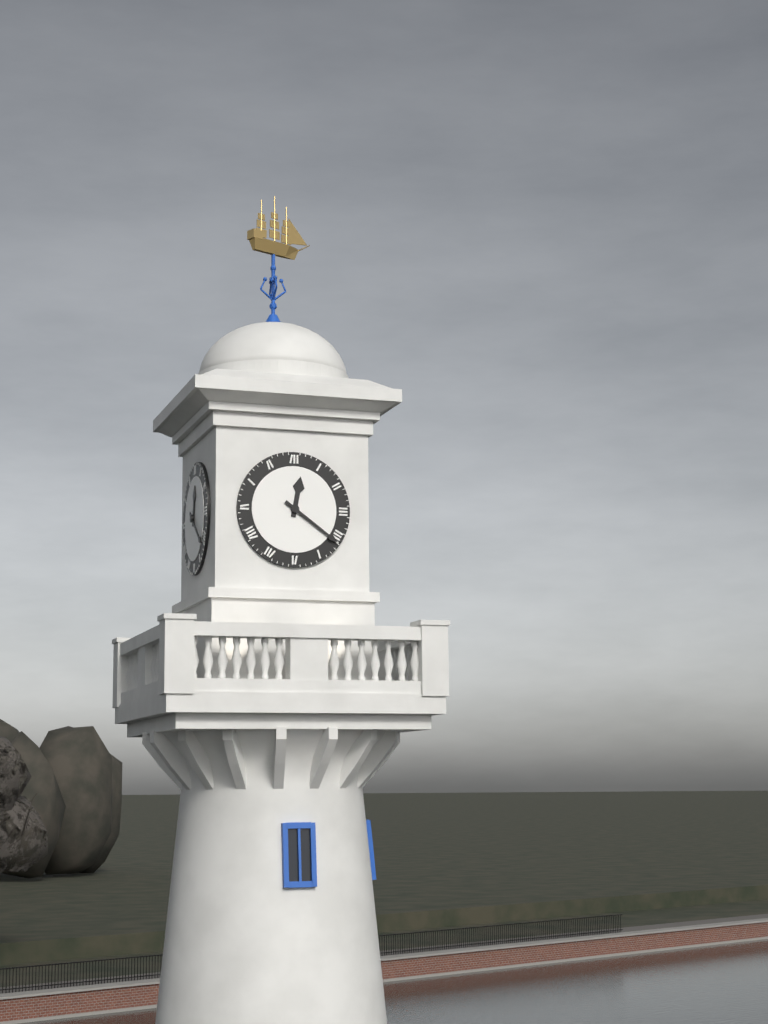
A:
**12:21**
